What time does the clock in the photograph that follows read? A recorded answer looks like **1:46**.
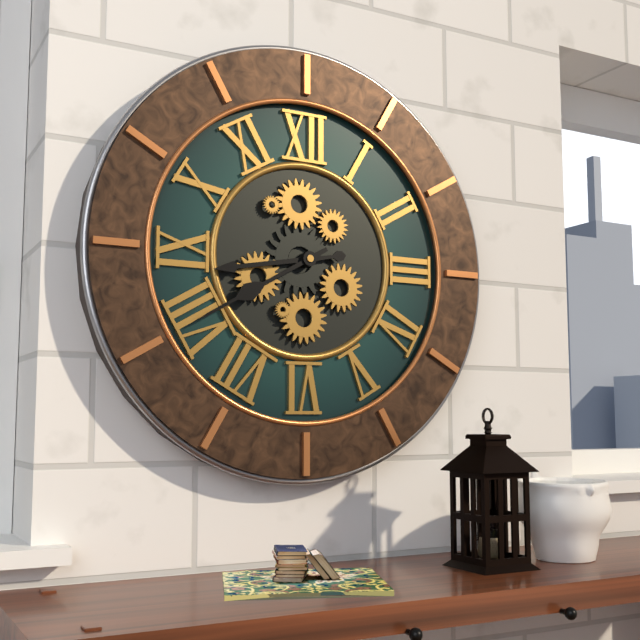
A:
**8:40**
